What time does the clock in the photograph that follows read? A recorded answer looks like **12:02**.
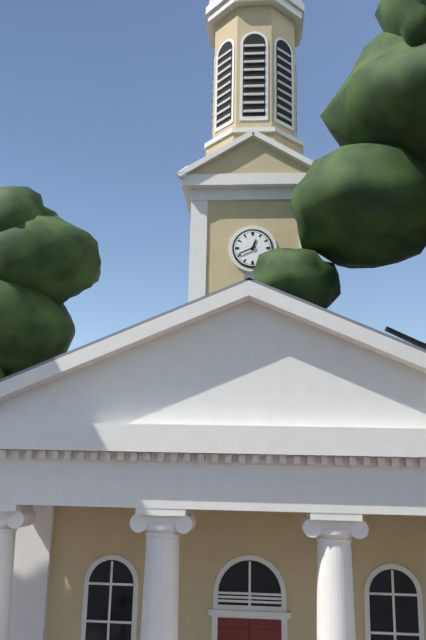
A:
**12:41**
